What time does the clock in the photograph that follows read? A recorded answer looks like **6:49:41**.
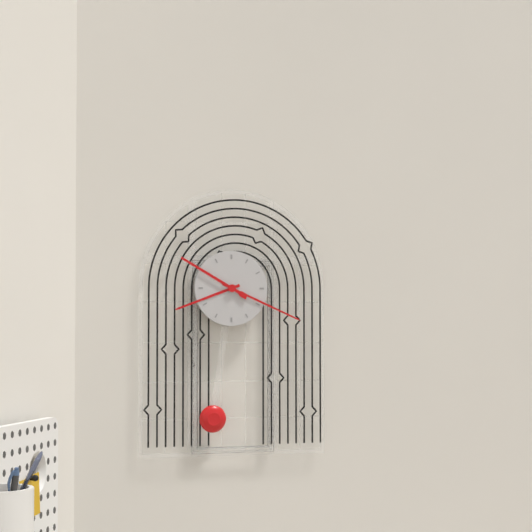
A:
**8:19:50**
